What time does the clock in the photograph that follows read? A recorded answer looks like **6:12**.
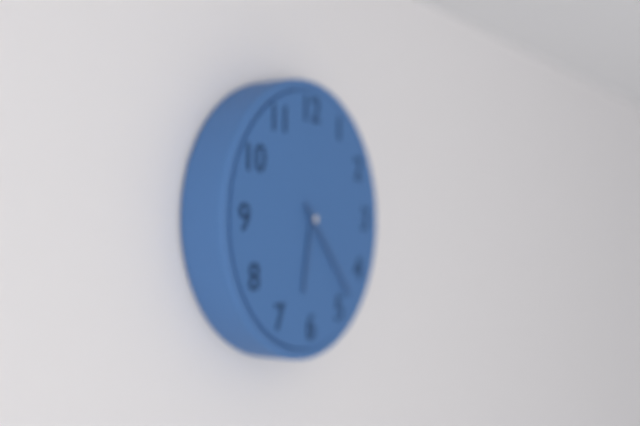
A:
**6:23**
